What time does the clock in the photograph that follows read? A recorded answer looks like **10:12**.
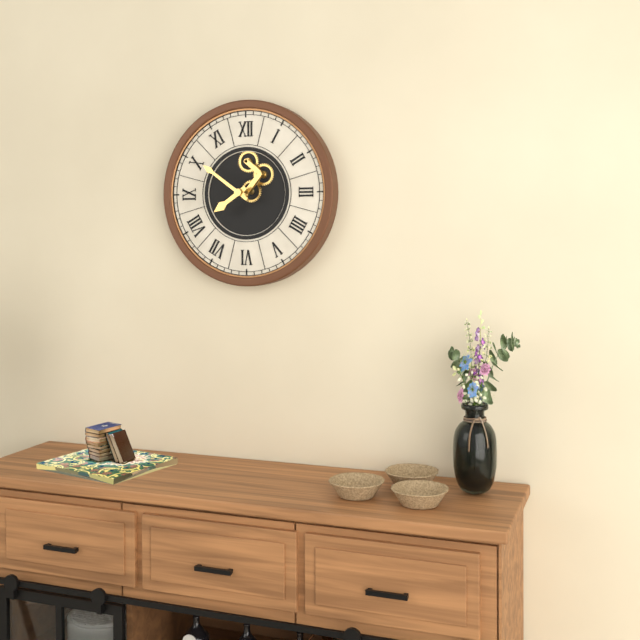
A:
**7:51**
